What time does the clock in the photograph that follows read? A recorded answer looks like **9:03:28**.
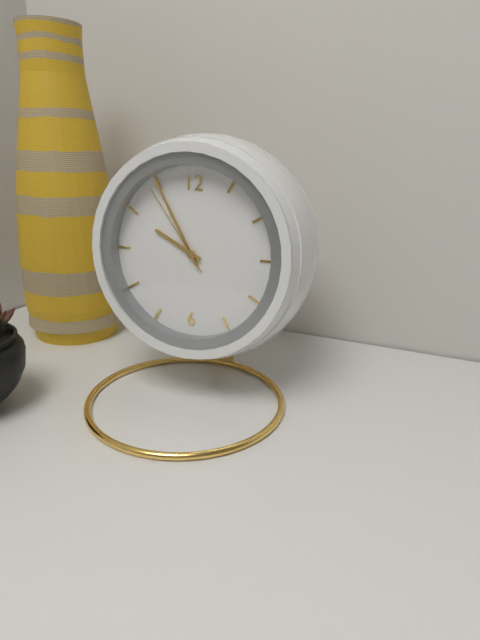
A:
**9:55:54**
